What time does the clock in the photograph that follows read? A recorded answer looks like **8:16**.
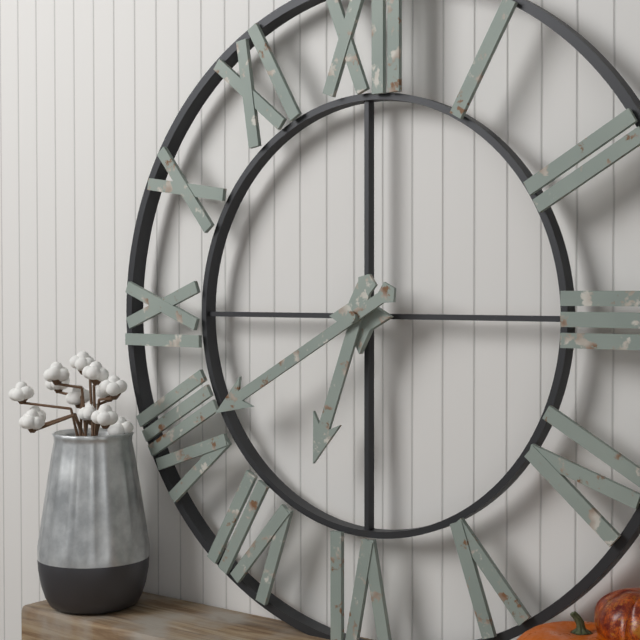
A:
**6:40**
